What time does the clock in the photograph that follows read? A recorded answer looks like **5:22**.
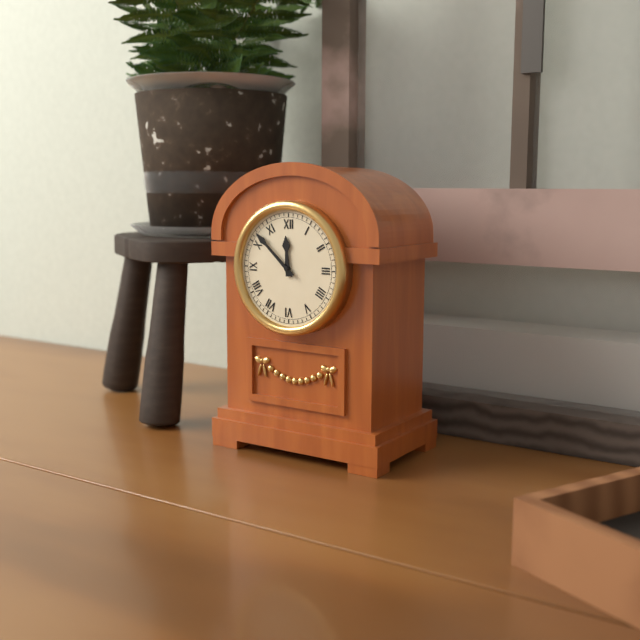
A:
**11:52**
